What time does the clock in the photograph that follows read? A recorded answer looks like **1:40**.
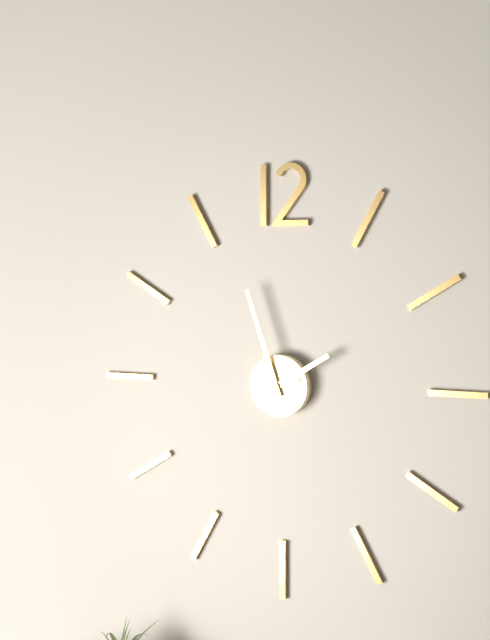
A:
**1:57**
